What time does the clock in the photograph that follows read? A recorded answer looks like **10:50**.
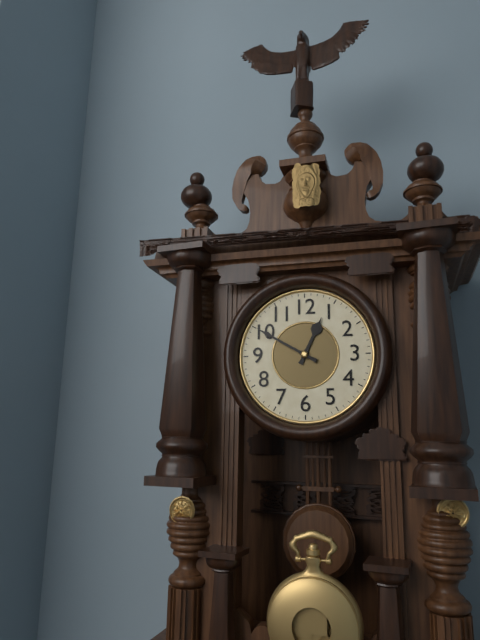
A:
**12:50**
